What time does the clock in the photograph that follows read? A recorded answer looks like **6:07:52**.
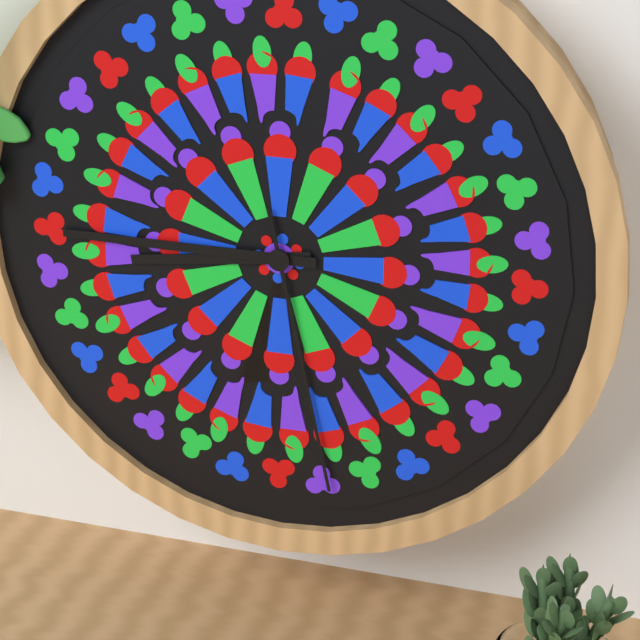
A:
**8:45:28**
